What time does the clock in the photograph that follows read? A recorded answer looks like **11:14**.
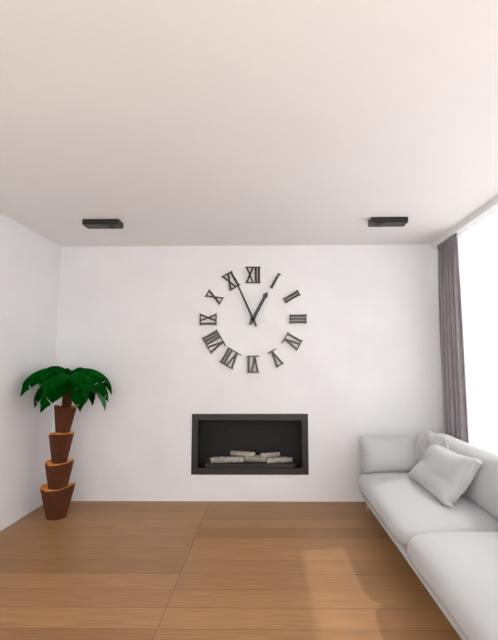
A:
**12:56**
